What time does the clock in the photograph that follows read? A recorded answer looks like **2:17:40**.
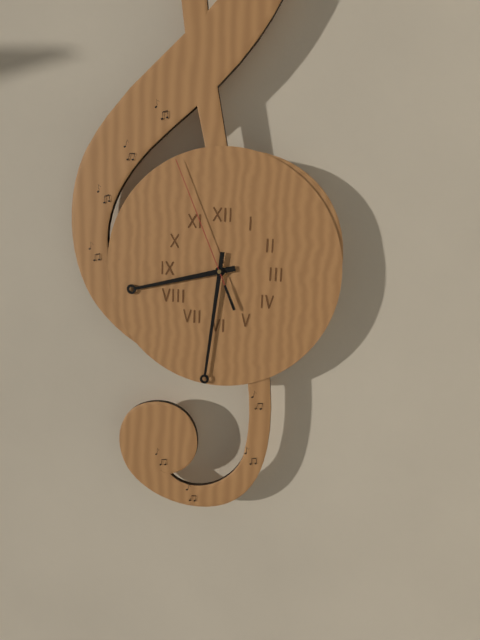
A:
**8:31:56**
